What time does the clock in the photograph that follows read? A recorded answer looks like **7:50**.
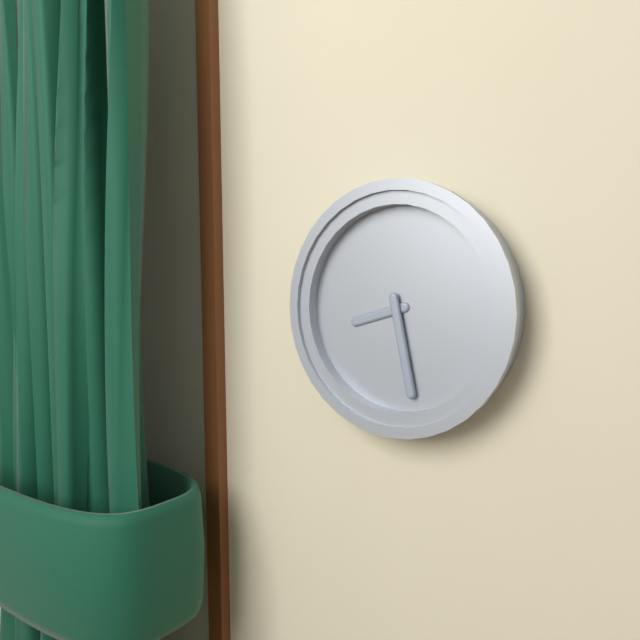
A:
**8:28**
